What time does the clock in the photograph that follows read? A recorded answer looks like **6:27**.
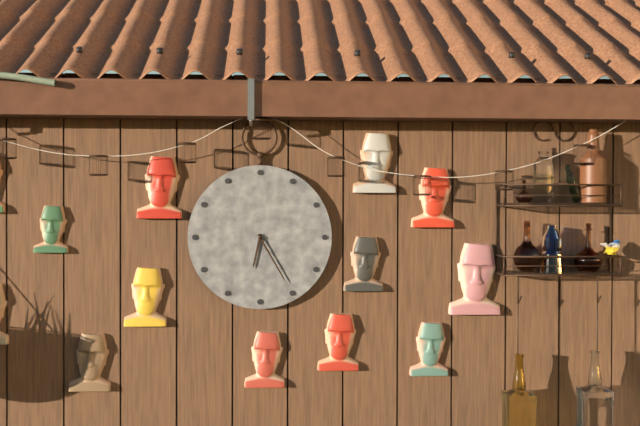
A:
**6:25**
